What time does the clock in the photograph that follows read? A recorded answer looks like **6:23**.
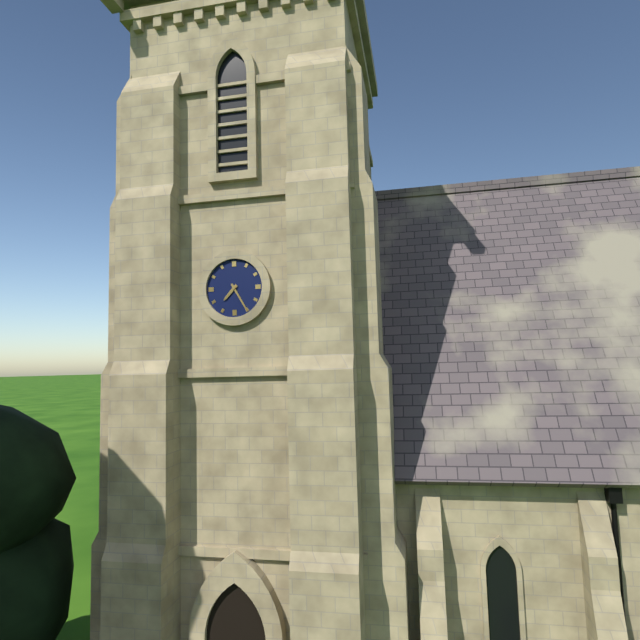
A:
**7:25**
